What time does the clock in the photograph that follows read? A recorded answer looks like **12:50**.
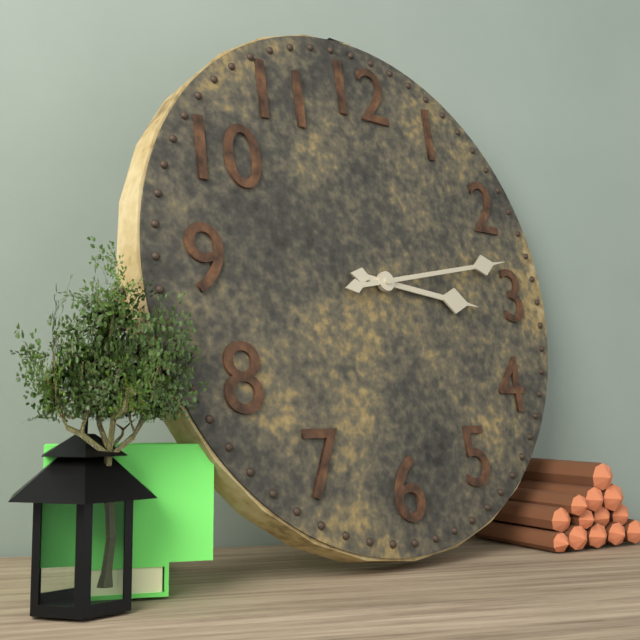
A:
**3:13**
